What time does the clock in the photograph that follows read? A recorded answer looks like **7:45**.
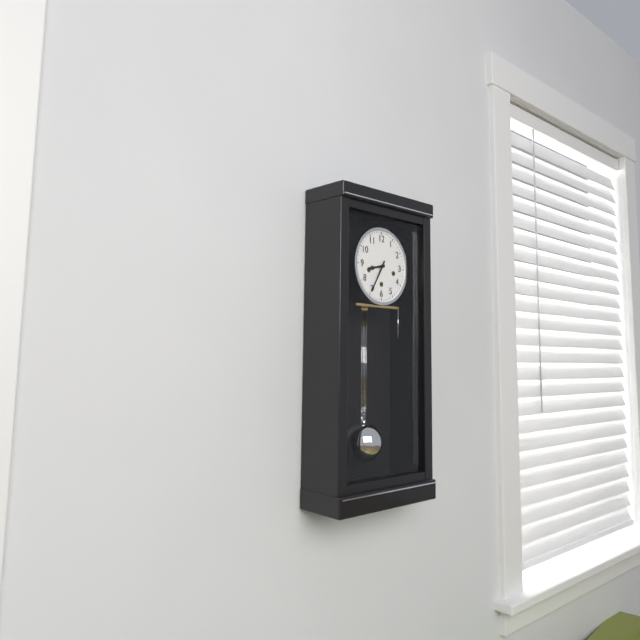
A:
**8:35**
